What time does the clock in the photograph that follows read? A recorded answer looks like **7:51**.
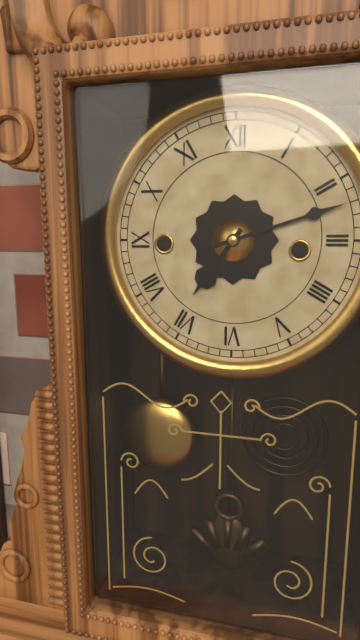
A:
**7:12**
